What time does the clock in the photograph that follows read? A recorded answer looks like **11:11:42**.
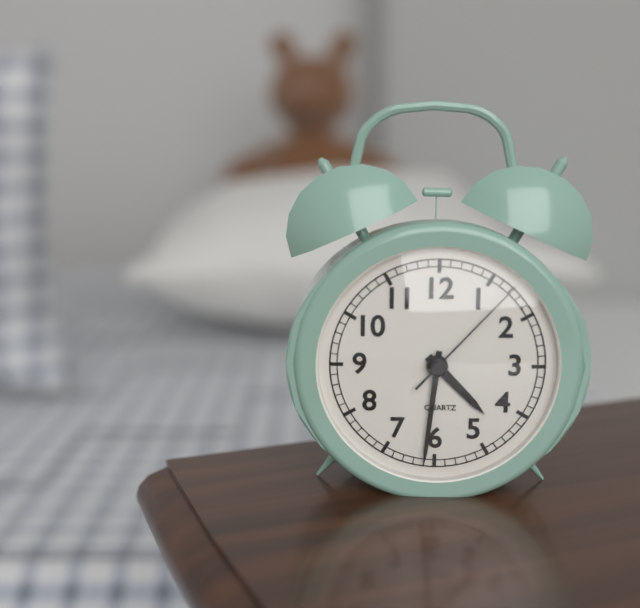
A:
**4:31:07**
